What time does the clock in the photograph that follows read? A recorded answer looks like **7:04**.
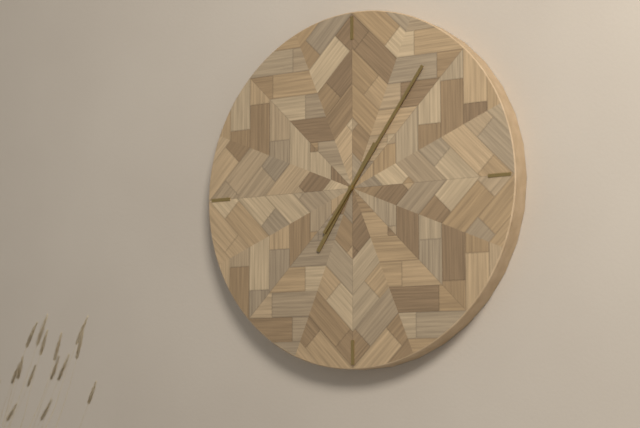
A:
**7:06**
